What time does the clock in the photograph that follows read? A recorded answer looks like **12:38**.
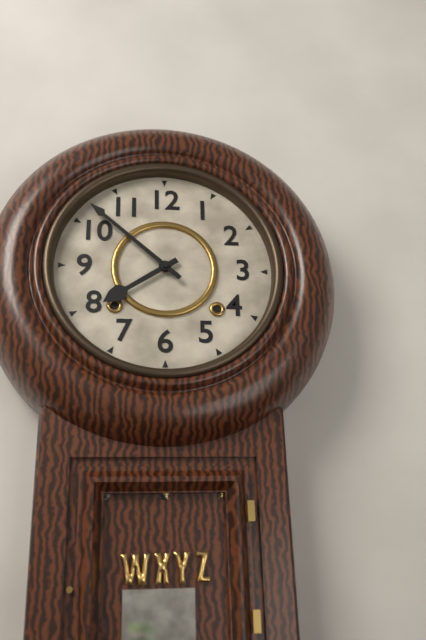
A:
**7:52**
